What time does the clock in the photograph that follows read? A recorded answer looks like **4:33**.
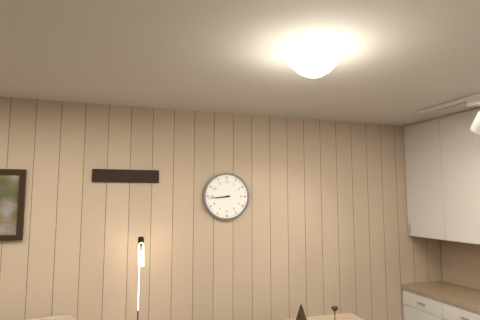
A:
**8:44**
